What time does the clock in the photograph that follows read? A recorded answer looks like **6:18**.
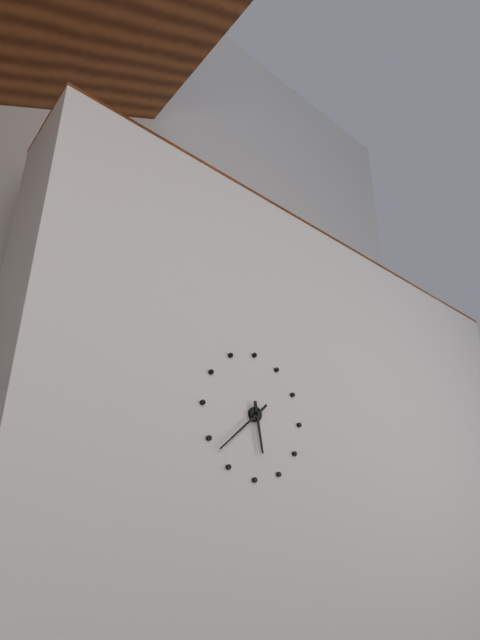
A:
**5:38**
